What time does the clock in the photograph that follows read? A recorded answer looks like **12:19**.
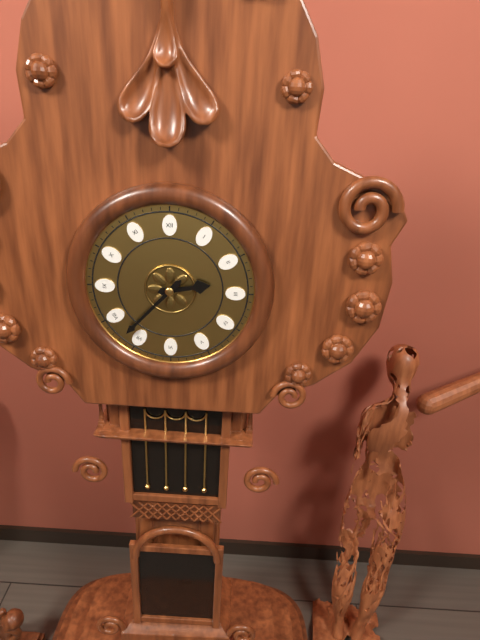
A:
**2:37**
